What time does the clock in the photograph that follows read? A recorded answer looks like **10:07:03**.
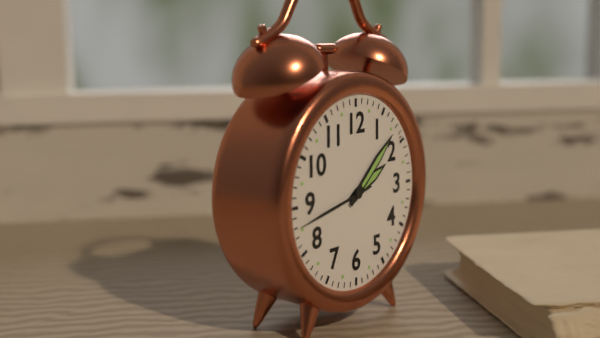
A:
**2:08:43**
